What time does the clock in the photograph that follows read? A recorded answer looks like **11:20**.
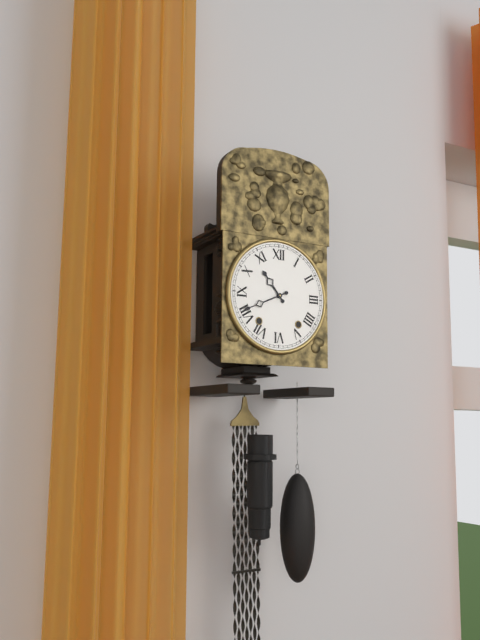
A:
**10:41**
